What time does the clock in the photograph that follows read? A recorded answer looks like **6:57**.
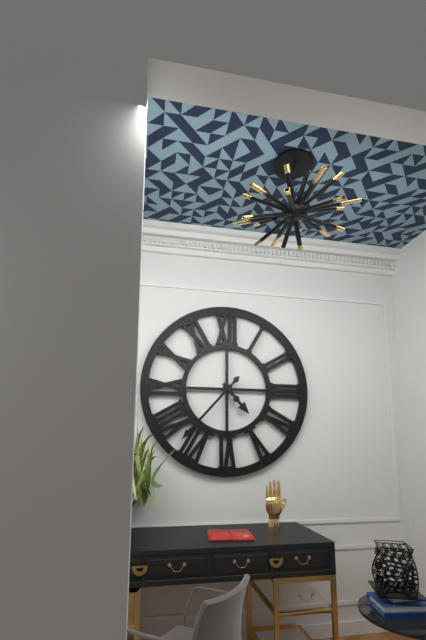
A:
**4:37**
